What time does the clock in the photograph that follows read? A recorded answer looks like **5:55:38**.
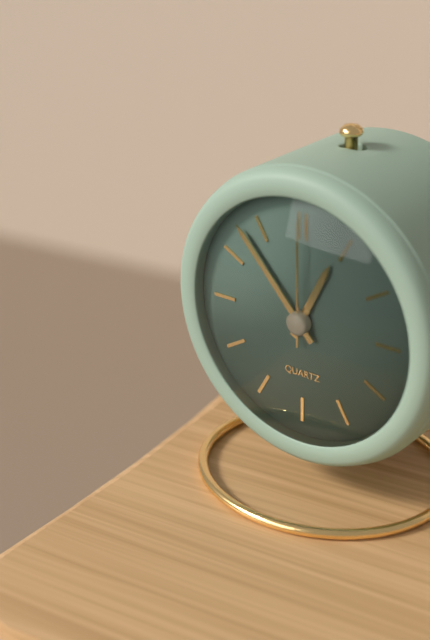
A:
**12:53:00**
